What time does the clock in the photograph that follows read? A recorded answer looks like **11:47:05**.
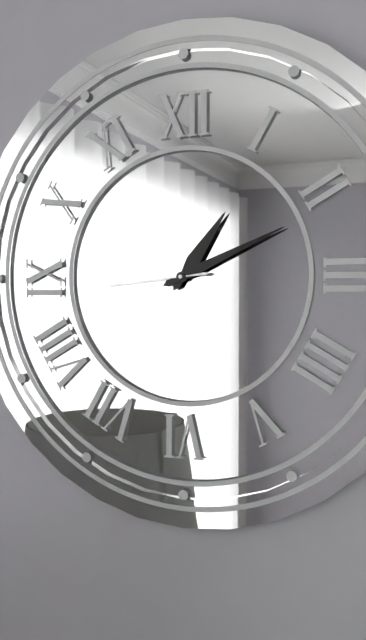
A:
**1:11:44**
